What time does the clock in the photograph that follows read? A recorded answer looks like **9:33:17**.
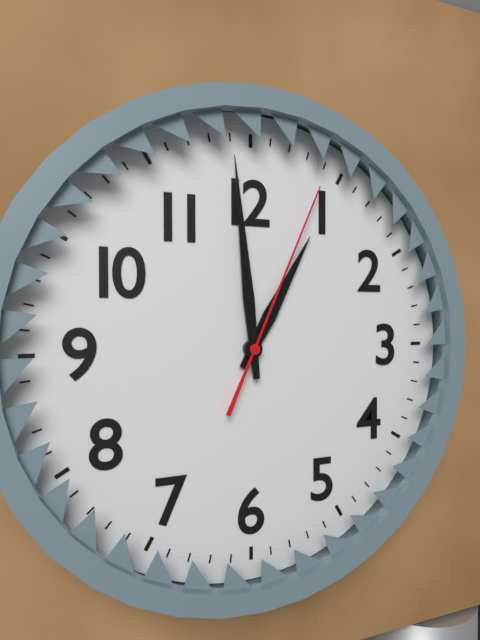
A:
**12:59:04**
